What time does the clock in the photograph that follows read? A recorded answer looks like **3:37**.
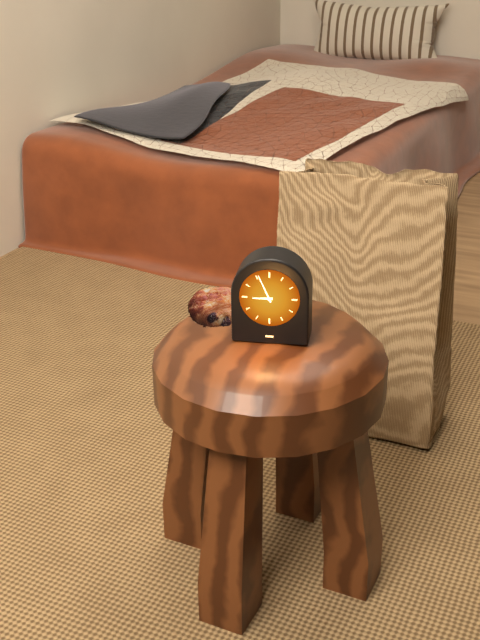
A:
**8:56**
